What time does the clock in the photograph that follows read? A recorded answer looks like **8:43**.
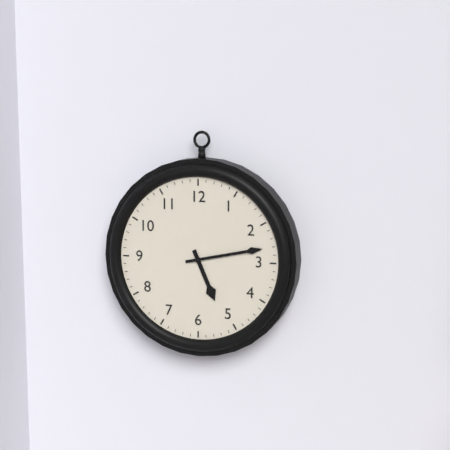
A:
**5:13**
